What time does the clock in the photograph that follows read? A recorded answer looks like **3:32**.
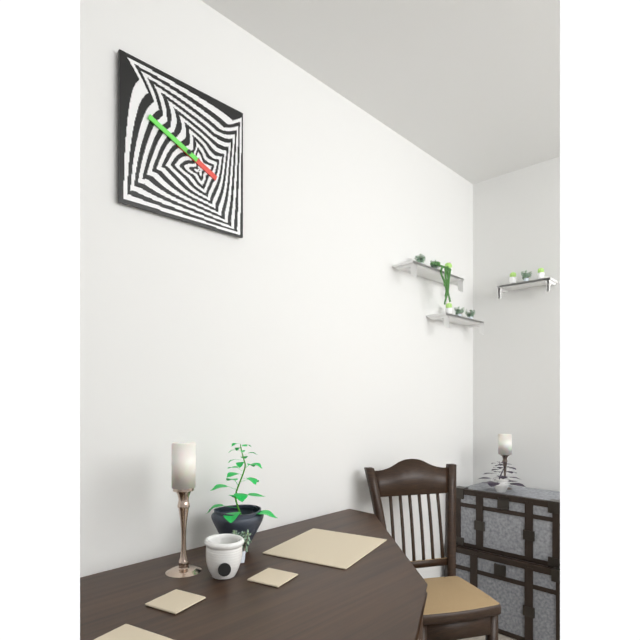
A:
**3:49**
